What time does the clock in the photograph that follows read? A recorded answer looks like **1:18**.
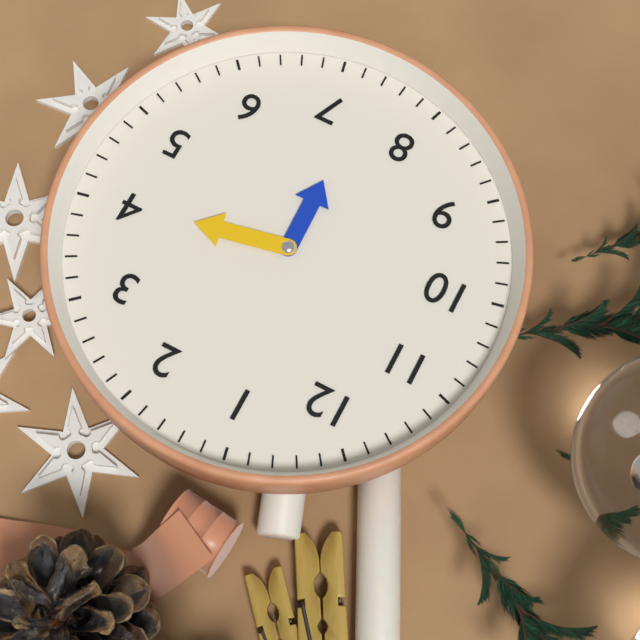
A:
**7:20**
